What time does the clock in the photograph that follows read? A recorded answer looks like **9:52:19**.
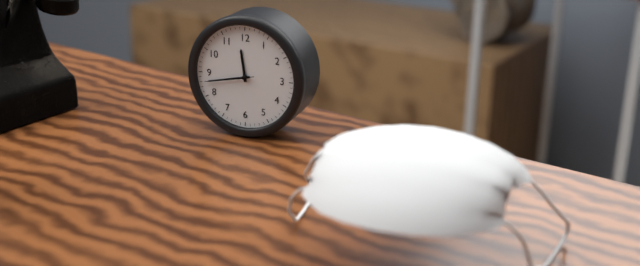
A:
**11:43:43**
